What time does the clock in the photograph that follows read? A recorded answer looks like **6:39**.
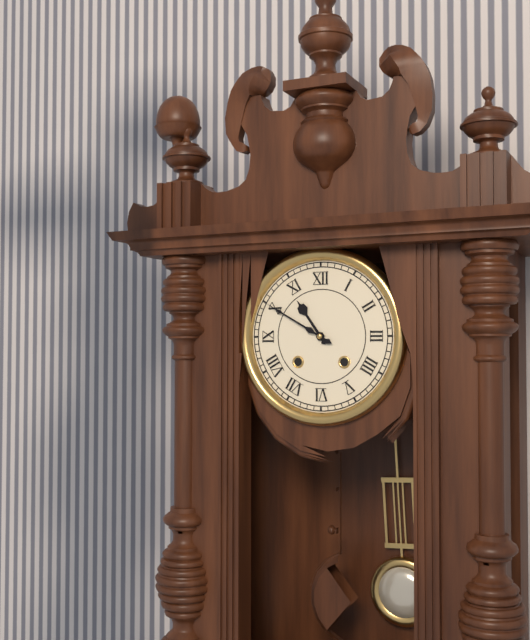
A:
**10:50**
